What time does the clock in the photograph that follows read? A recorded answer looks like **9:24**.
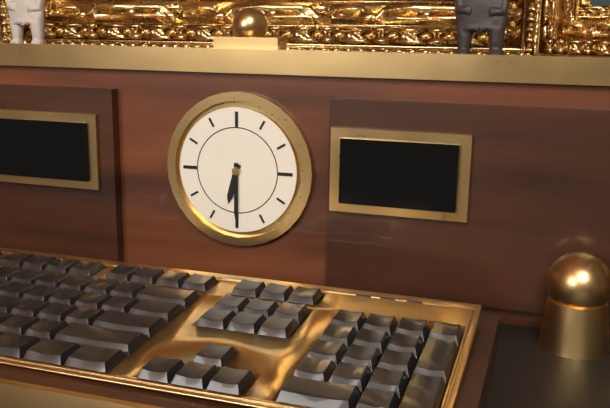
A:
**6:30**
